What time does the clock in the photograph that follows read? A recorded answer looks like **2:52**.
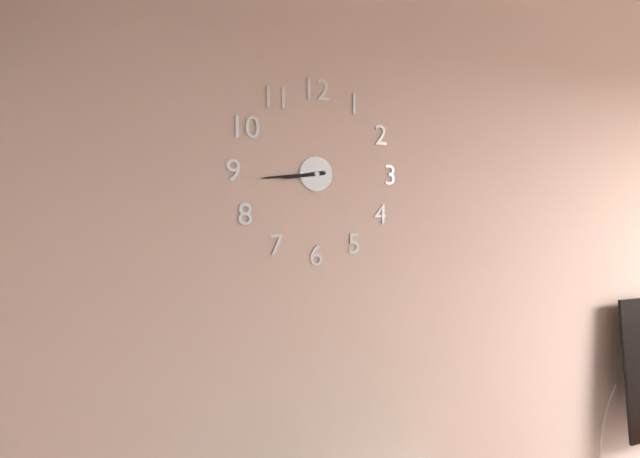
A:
**8:44**
